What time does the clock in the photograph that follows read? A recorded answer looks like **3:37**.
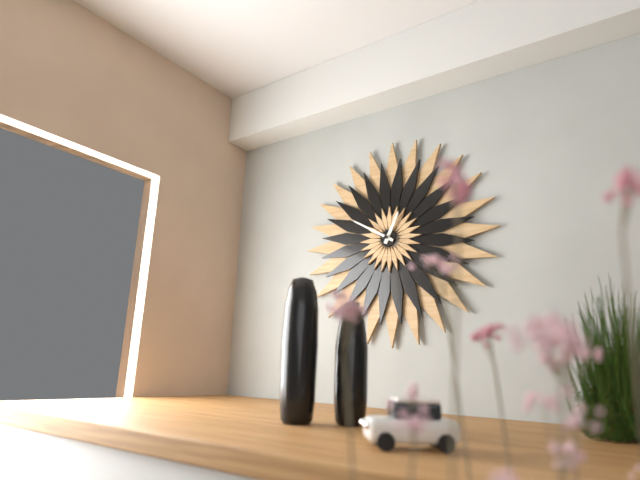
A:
**12:50**
